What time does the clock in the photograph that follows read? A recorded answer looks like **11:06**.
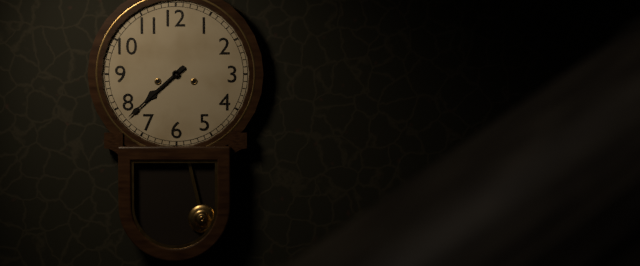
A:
**7:38**
